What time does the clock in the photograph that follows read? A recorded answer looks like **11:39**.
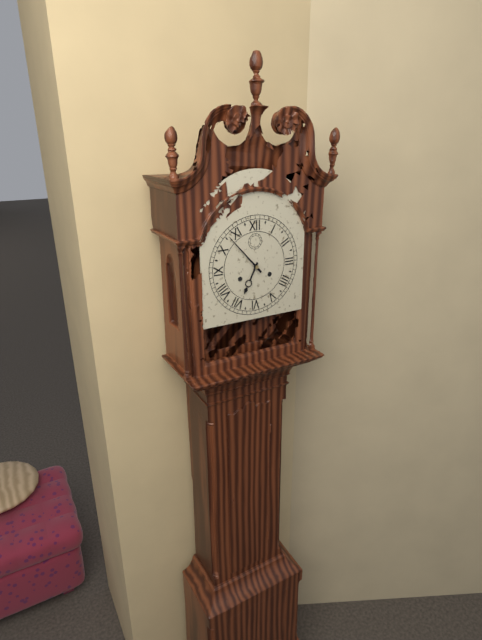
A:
**6:53**
